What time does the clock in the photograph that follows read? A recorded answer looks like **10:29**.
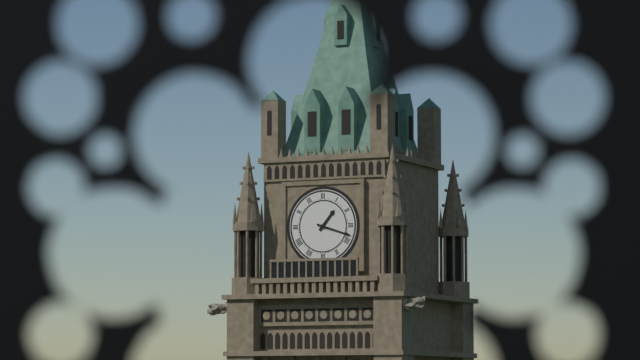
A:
**1:18**
